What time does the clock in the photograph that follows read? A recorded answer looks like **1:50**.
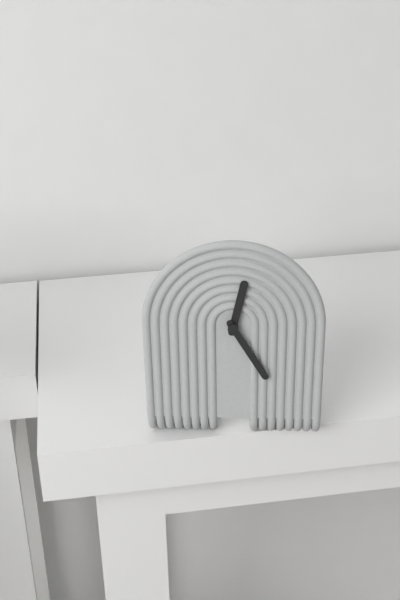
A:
**12:25**
